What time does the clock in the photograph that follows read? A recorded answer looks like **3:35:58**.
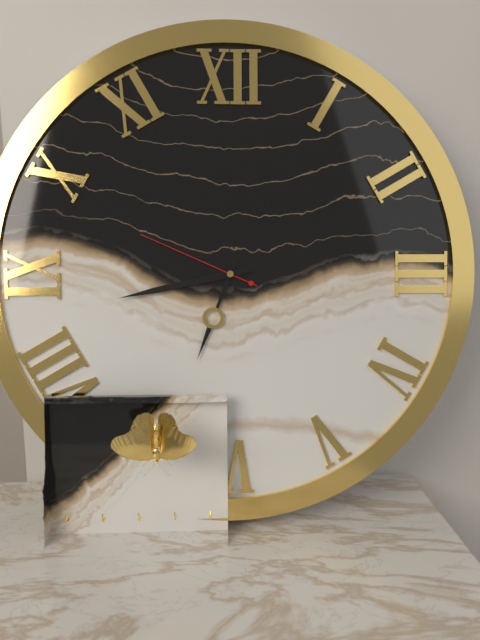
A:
**6:43:49**
